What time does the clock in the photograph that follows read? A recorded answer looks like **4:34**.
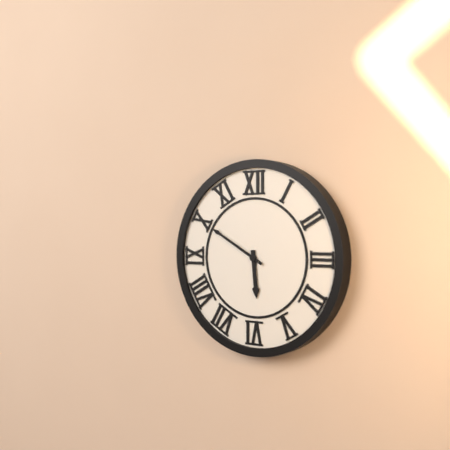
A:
**5:50**
